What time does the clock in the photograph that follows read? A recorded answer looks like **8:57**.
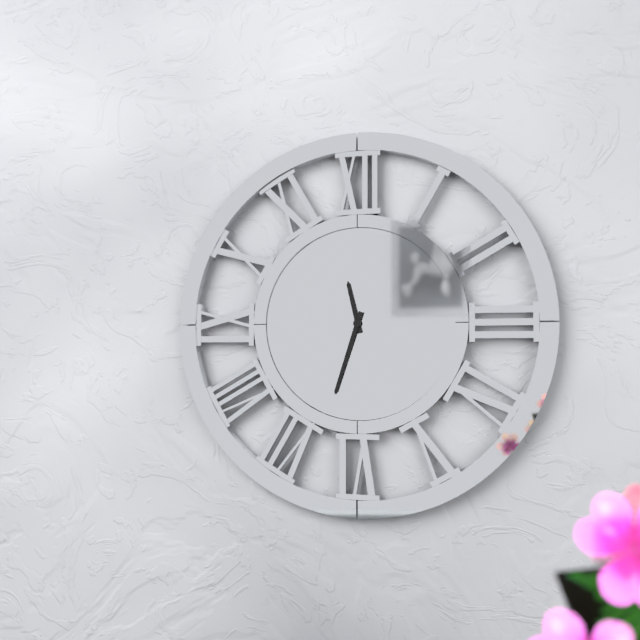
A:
**11:33**
